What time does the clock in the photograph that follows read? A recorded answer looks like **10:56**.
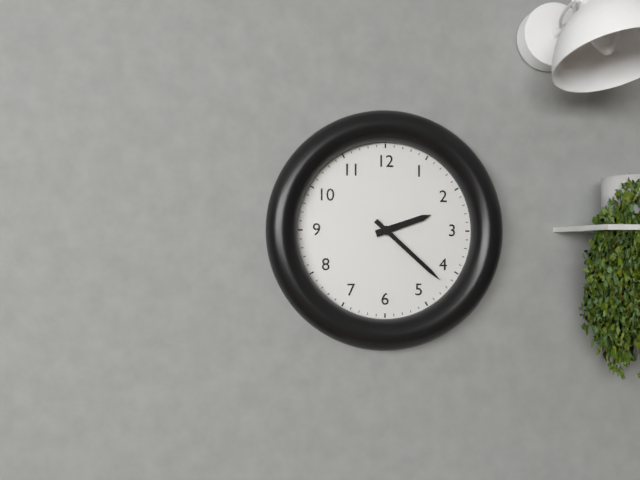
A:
**2:22**
